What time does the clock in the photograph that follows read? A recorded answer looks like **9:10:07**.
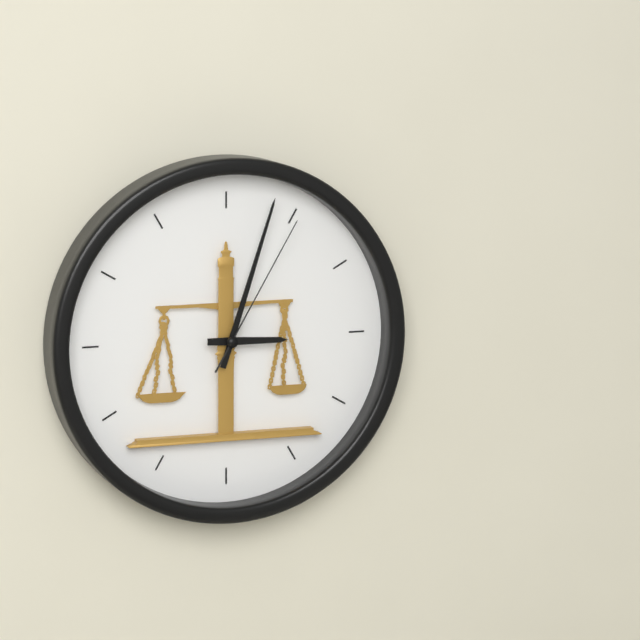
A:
**3:03:05**
